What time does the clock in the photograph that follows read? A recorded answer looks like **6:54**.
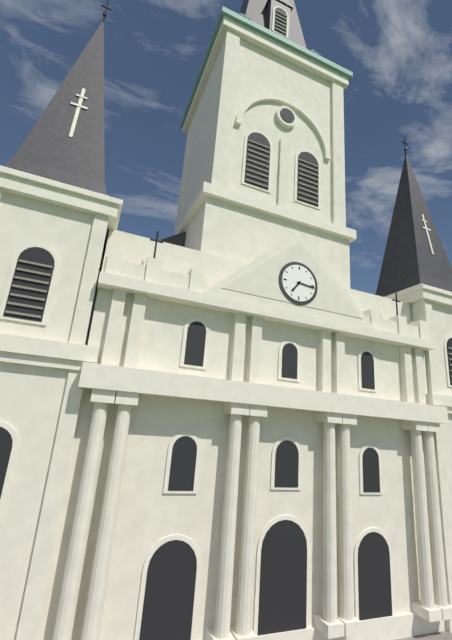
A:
**7:16**
